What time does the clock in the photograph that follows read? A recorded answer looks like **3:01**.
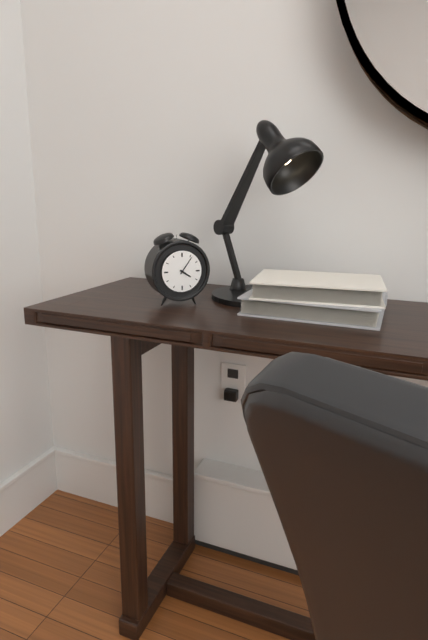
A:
**4:06**
